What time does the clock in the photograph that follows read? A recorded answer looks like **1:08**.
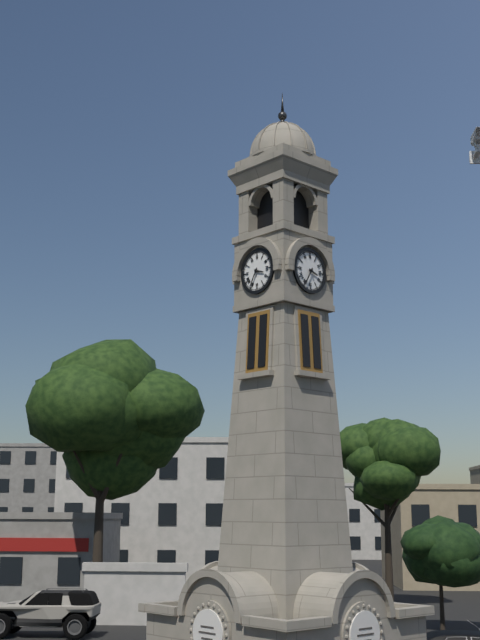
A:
**3:35**
